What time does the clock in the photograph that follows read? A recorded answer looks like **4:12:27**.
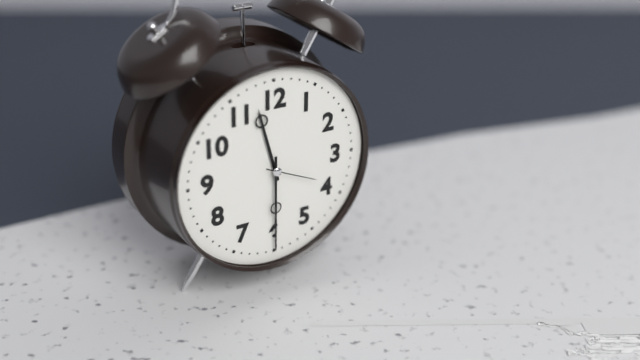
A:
**11:30:19**
